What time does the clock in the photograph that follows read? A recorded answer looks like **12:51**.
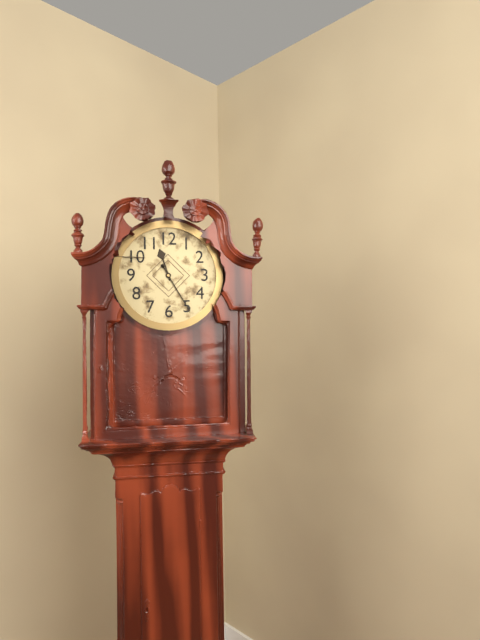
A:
**11:25**
